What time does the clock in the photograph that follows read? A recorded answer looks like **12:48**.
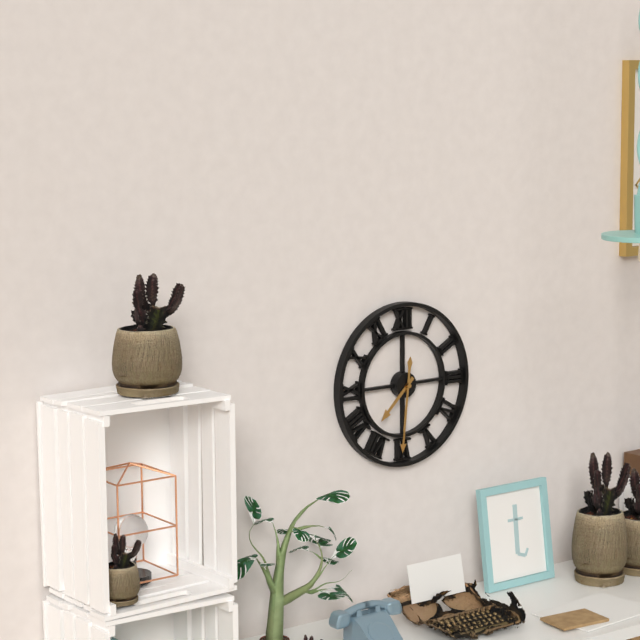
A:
**7:31**
